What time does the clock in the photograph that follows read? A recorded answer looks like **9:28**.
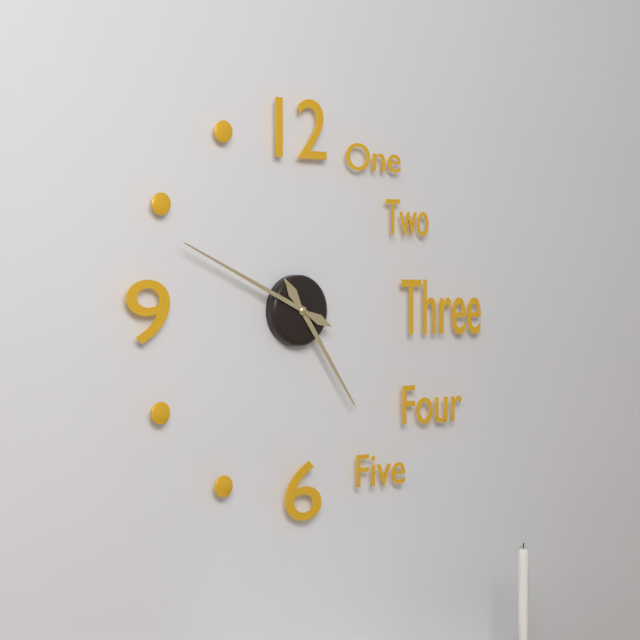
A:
**4:49**
